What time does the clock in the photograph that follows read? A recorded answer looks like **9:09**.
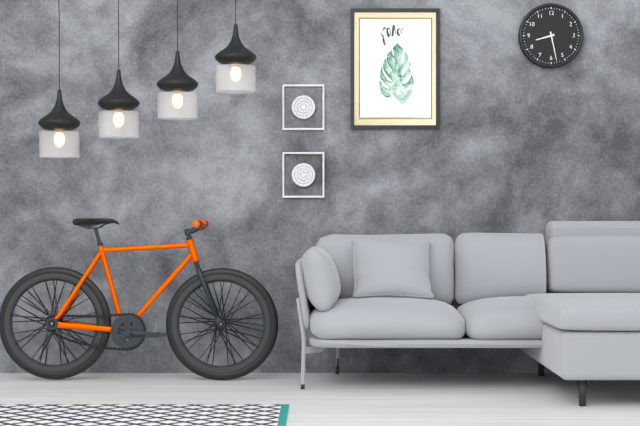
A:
**8:28**
